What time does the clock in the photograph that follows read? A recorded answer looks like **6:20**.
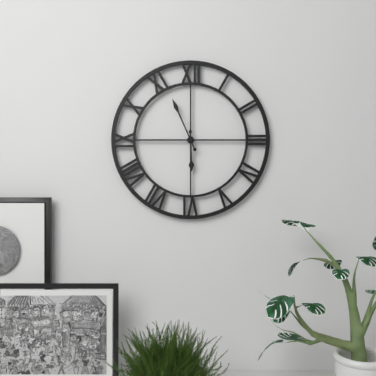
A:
**5:56**
